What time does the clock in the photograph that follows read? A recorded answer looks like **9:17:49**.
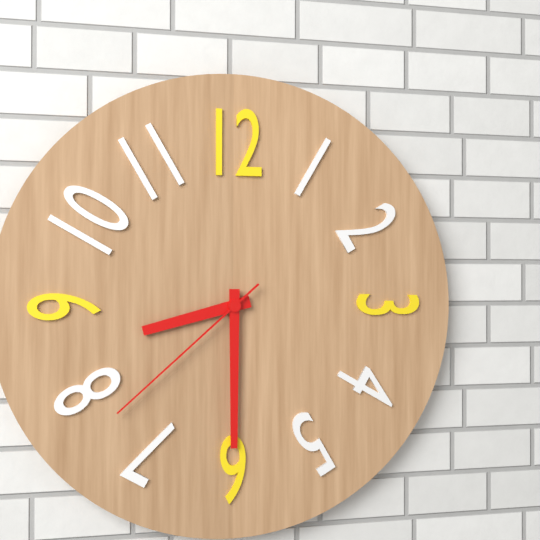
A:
**8:30:38**
